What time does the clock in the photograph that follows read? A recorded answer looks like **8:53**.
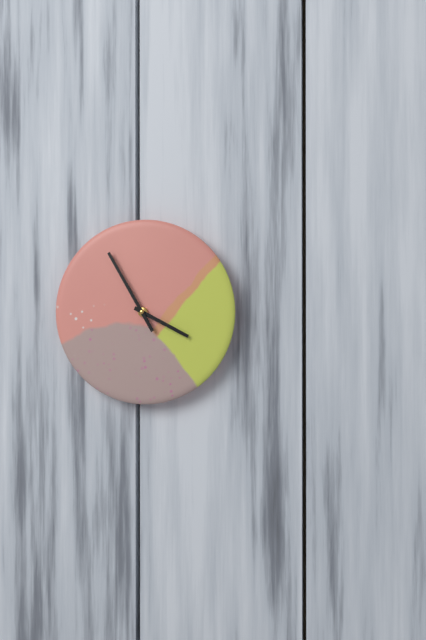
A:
**3:55**
